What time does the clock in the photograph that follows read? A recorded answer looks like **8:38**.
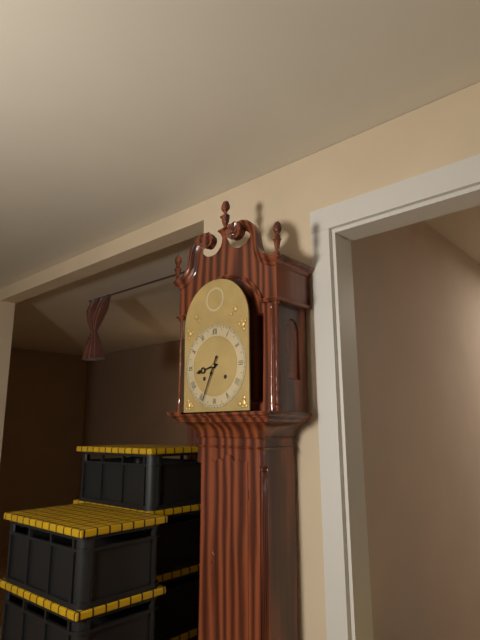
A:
**8:34**
